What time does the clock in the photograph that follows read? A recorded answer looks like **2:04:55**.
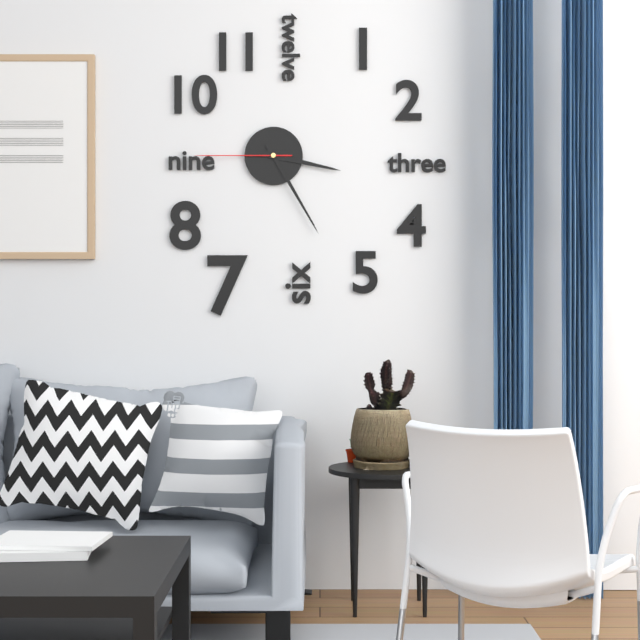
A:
**3:25:45**
